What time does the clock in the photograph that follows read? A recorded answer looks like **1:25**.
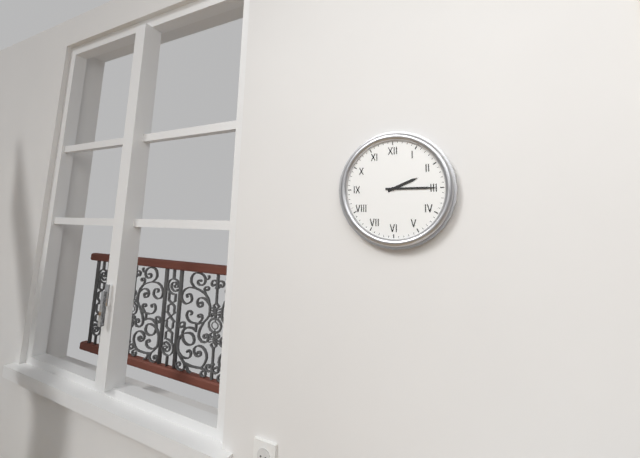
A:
**2:15**
